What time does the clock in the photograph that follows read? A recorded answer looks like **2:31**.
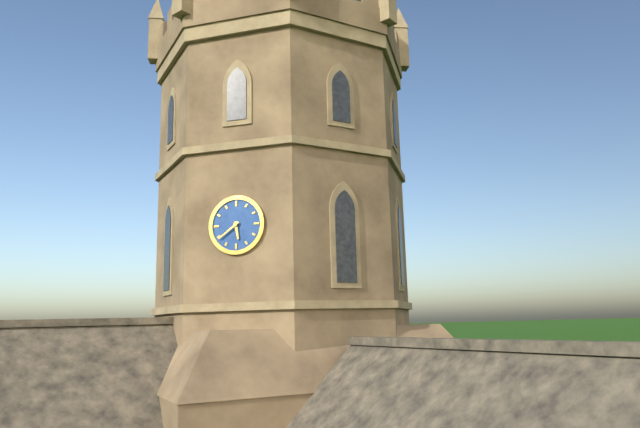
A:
**5:39**
